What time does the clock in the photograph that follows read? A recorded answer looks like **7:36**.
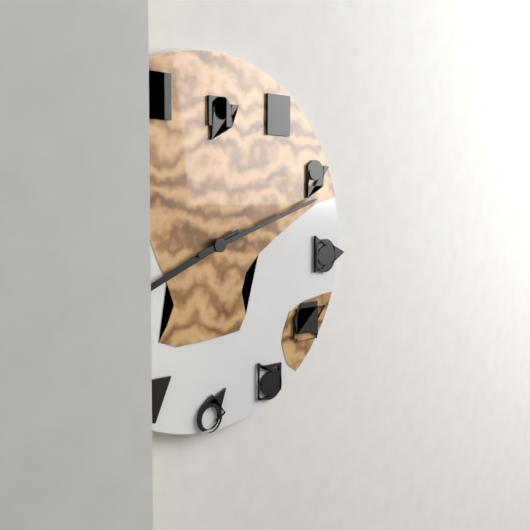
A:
**8:12**
